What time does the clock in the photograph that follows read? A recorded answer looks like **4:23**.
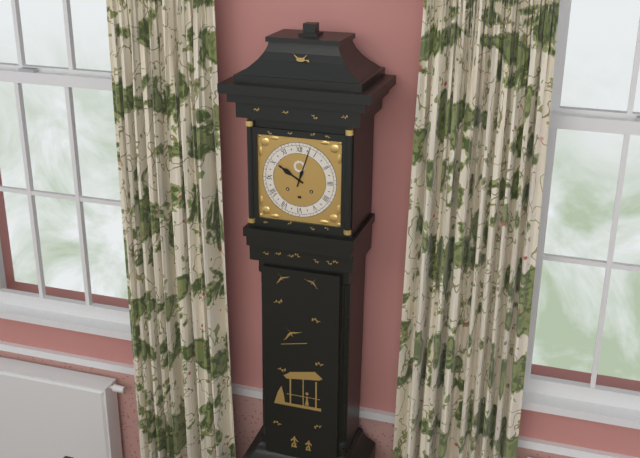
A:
**10:03**
